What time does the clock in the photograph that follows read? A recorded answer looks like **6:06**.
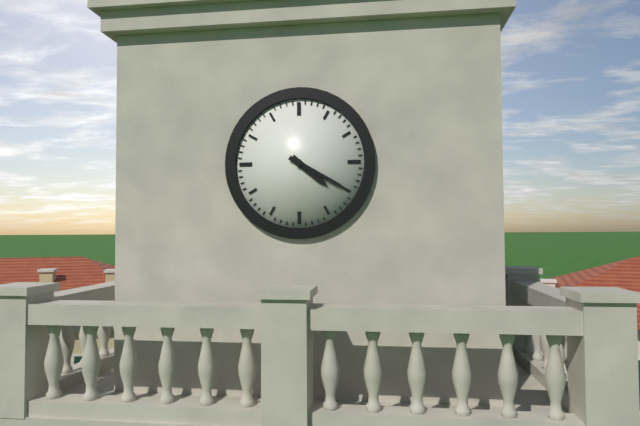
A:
**4:20**
